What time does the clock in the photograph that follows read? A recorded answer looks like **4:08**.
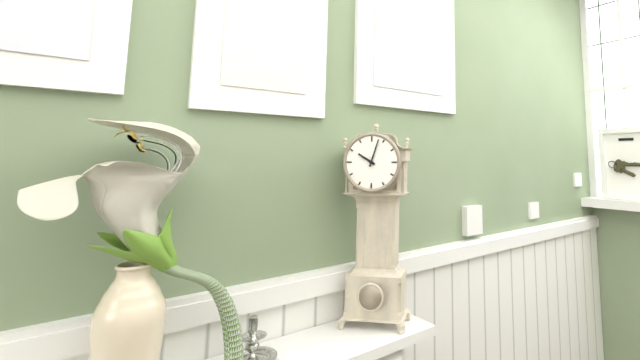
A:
**10:03**
